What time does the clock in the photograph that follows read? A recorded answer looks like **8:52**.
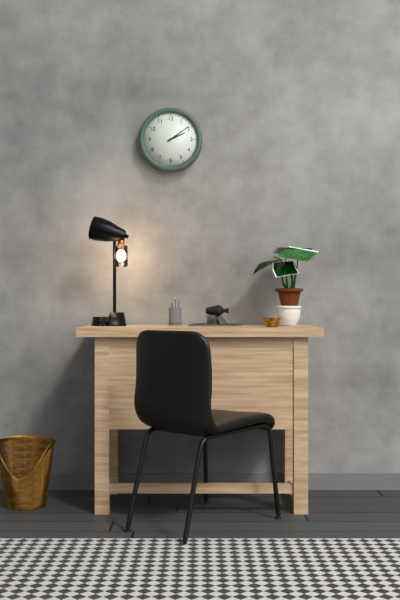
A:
**2:09**
